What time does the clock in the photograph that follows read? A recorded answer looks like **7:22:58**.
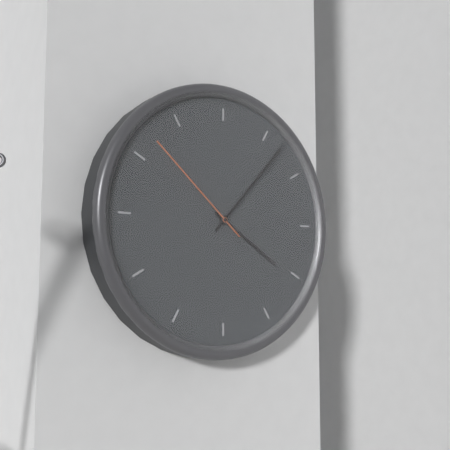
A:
**4:07:52**
